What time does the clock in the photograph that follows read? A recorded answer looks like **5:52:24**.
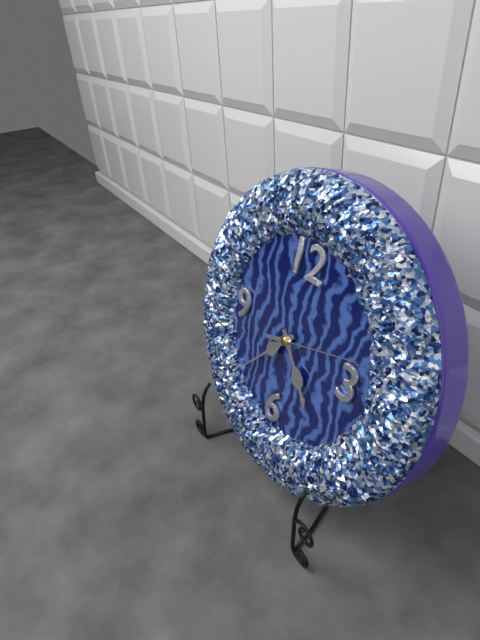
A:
**4:37:12**
